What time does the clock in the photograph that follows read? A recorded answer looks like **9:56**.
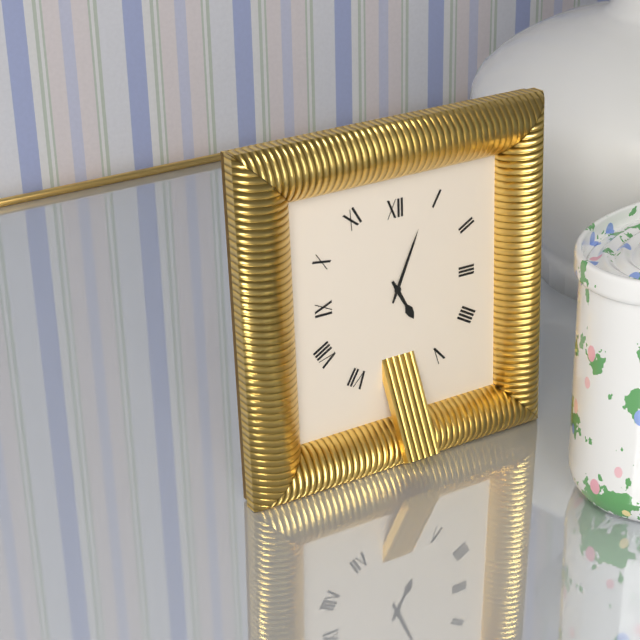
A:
**5:04**
